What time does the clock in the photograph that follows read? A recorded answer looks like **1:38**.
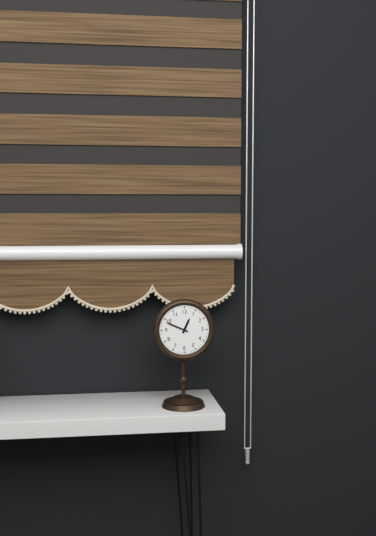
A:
**12:49**
